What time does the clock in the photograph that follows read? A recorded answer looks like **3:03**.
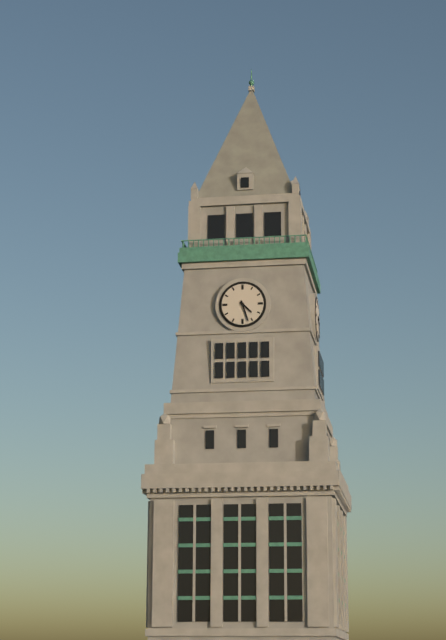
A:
**4:27**
